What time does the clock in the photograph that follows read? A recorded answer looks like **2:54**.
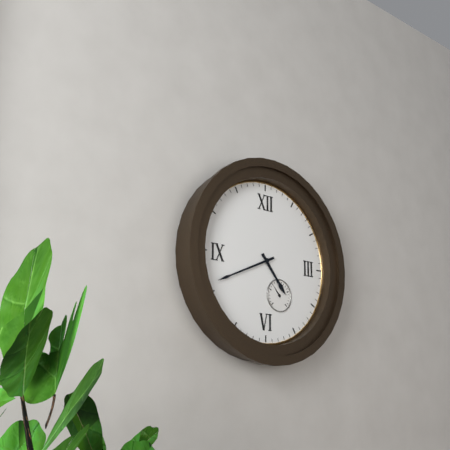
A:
**4:41**
